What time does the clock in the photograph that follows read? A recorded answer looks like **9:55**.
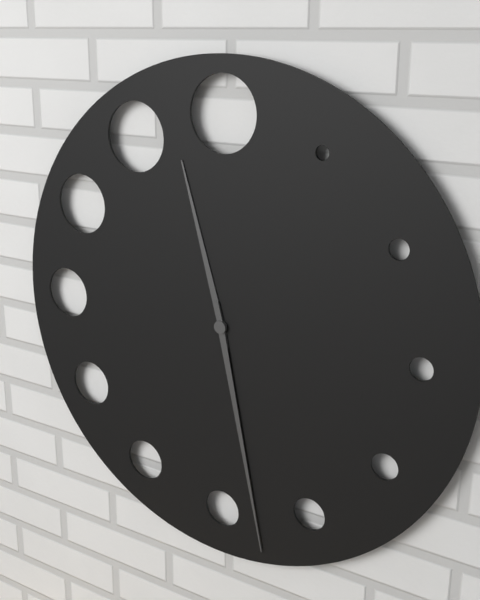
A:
**11:28**
